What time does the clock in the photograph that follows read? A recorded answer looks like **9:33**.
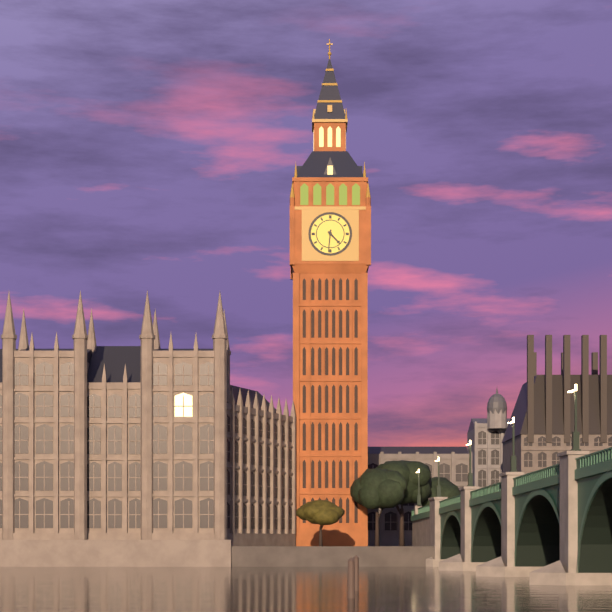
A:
**4:31**
